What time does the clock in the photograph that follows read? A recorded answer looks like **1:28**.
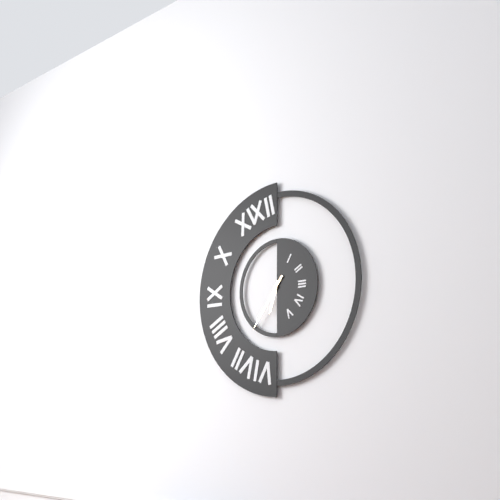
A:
**6:36**
